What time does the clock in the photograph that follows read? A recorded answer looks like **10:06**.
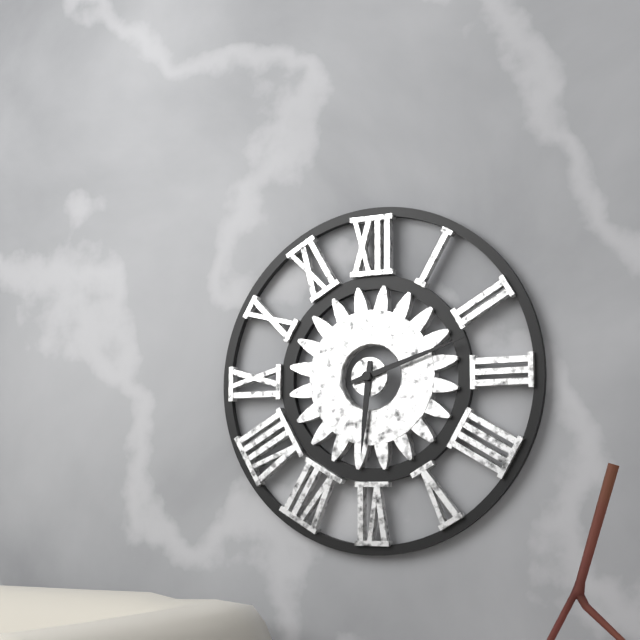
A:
**6:12**
